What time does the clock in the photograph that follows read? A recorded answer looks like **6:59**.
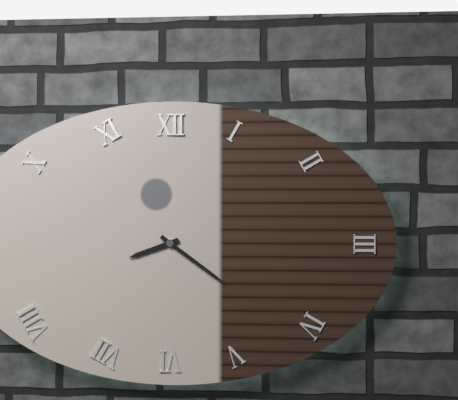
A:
**8:21**
